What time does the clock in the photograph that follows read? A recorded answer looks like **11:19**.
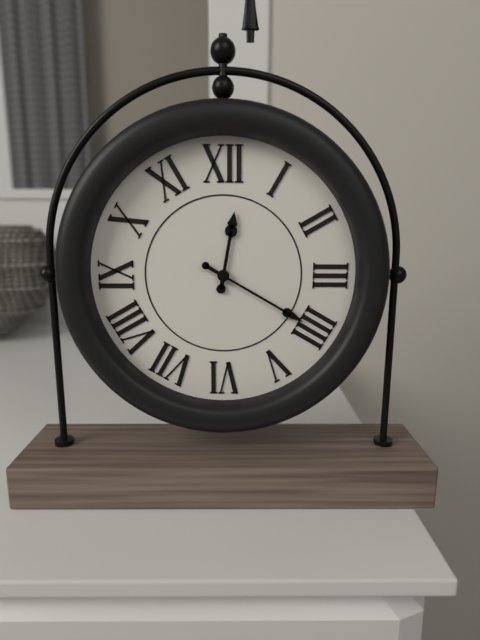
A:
**12:20**
